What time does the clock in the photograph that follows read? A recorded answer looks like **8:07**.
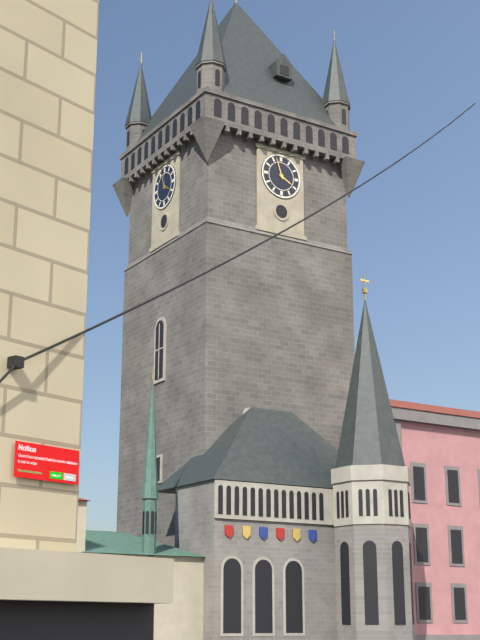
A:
**3:57**
